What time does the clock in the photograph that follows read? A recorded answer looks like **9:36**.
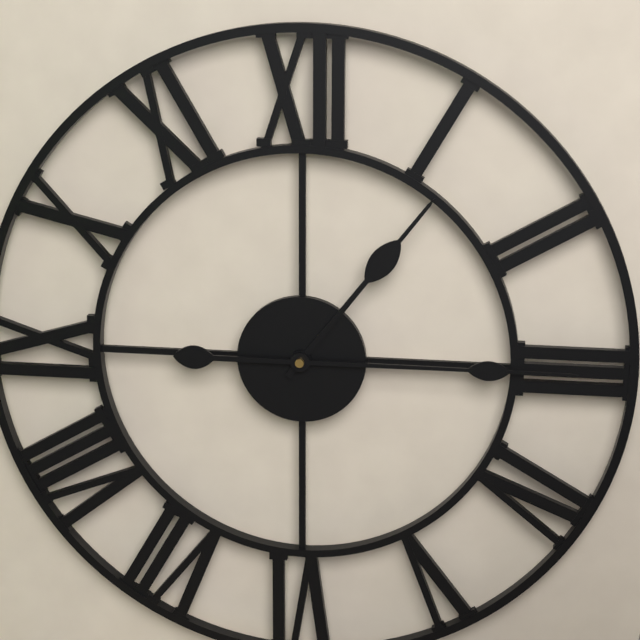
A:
**1:15**
